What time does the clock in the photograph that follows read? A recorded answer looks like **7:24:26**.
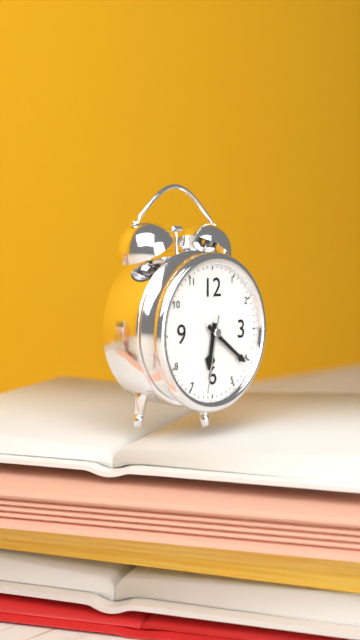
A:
**6:21:32**
